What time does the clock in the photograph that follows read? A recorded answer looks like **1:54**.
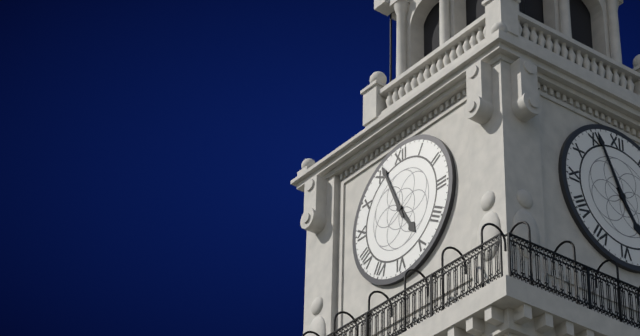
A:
**4:56**
